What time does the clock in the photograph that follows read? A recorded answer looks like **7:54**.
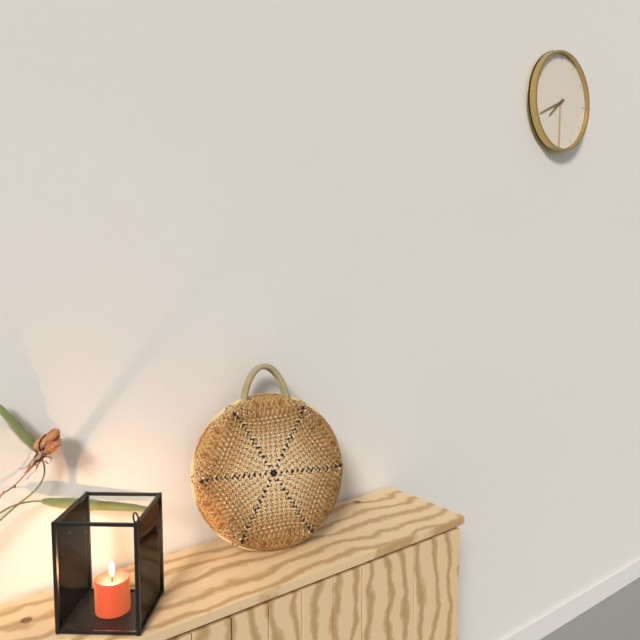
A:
**7:41**
